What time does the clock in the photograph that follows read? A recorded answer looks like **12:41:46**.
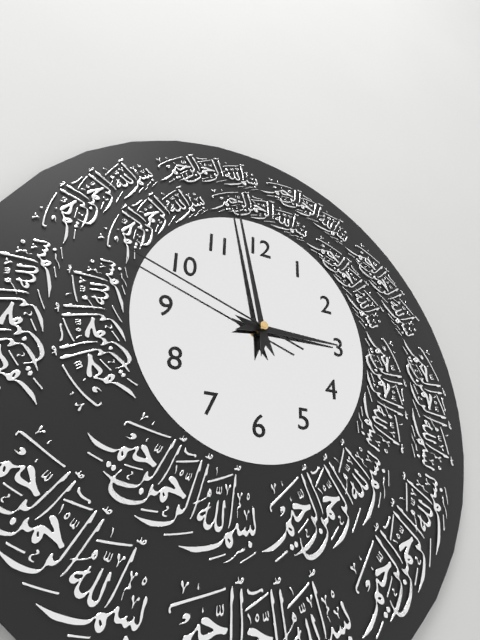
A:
**2:58:48**
